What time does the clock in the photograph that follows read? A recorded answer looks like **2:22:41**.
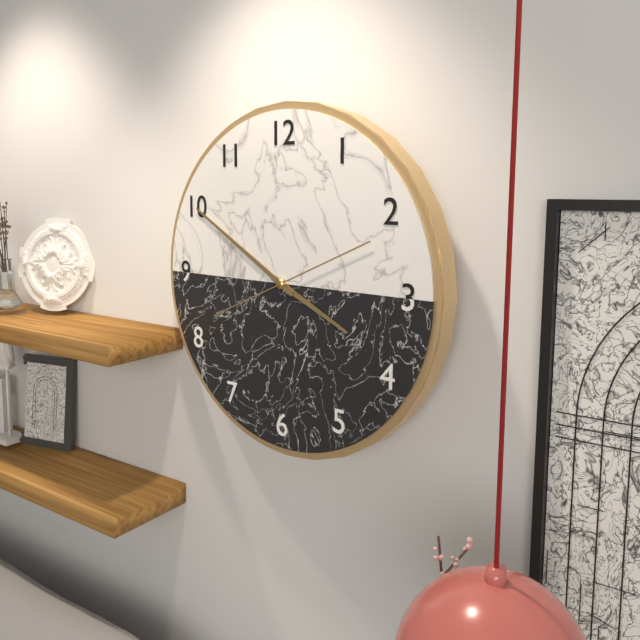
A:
**3:50:11**
